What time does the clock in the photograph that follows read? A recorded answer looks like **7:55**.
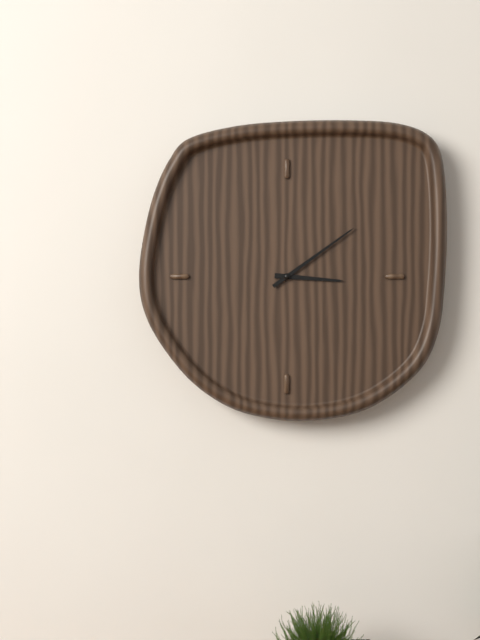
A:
**3:09**
